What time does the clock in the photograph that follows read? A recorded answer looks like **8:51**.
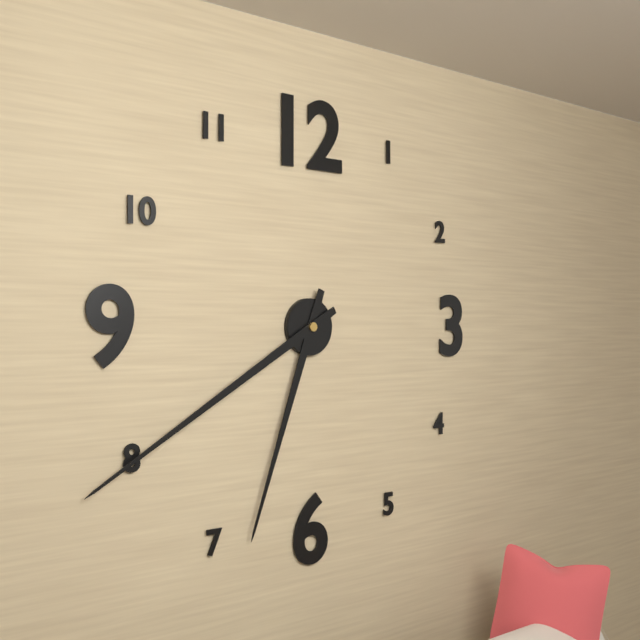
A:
**6:40**
